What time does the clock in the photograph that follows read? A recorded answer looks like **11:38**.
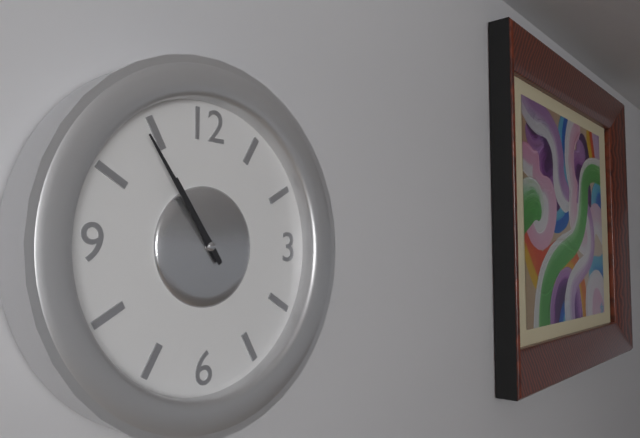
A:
**10:54**
